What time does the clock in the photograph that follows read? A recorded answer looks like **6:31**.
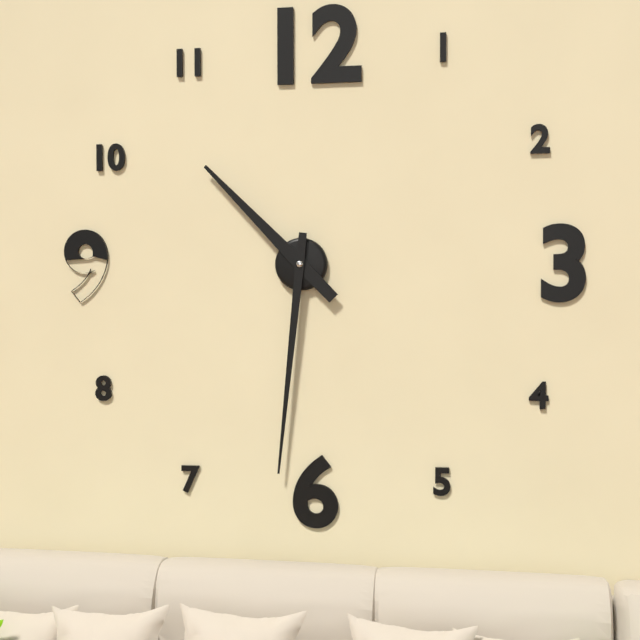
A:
**10:31**
